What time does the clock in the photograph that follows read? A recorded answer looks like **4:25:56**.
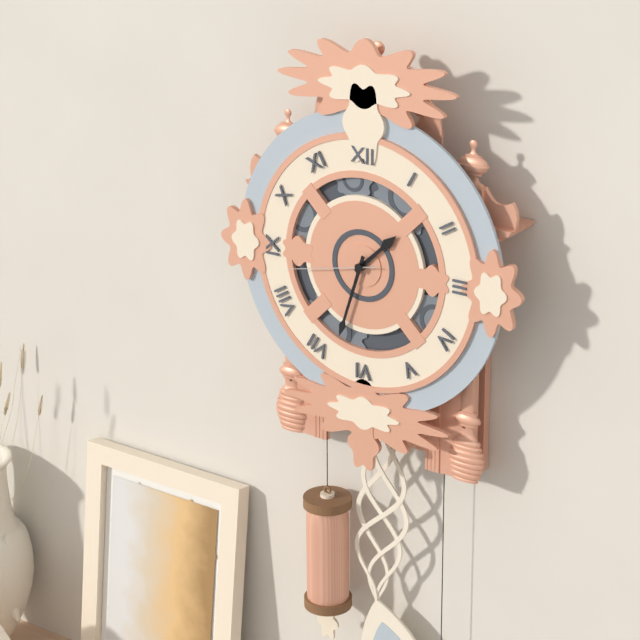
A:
**1:33:43**
